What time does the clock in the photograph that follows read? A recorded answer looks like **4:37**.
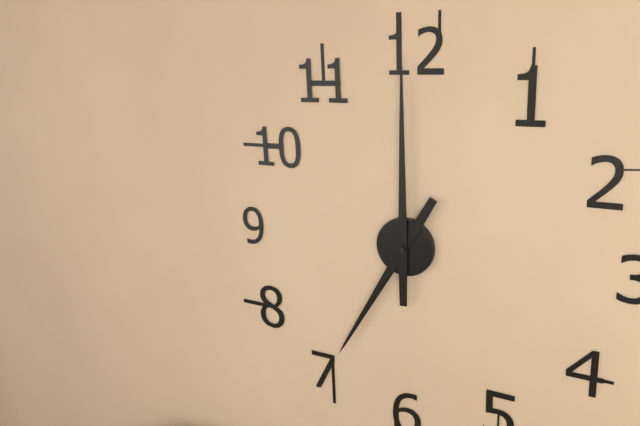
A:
**7:00**
